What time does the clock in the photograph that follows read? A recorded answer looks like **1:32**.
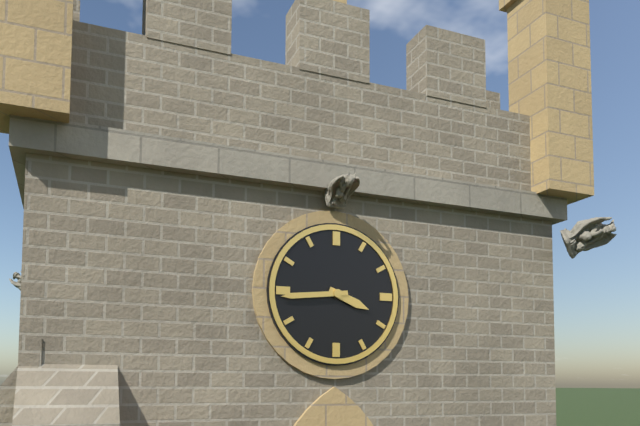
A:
**3:44**
